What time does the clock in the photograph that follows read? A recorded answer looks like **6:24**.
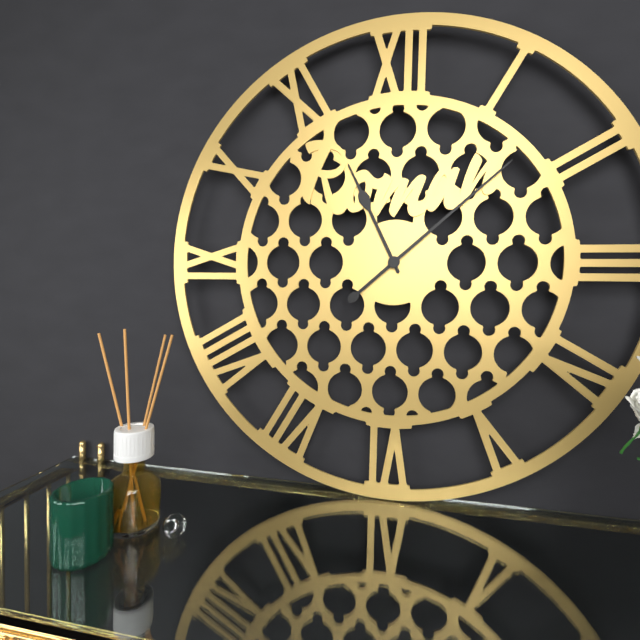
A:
**11:08**
